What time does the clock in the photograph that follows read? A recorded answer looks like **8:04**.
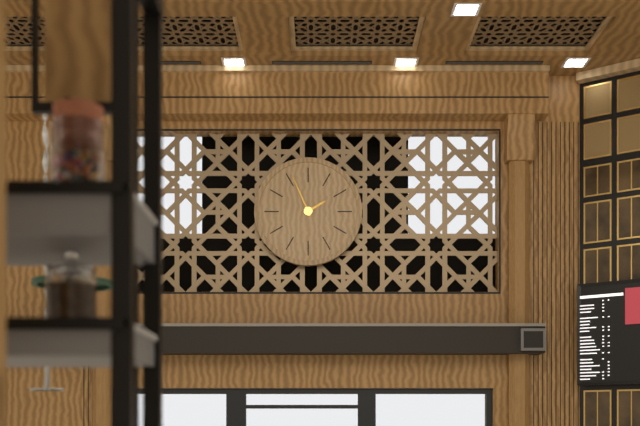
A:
**1:56**
